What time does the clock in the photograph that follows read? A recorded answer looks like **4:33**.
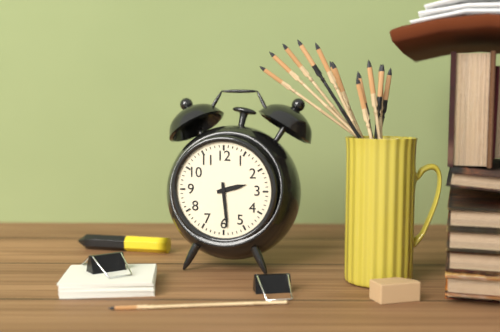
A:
**2:29**
